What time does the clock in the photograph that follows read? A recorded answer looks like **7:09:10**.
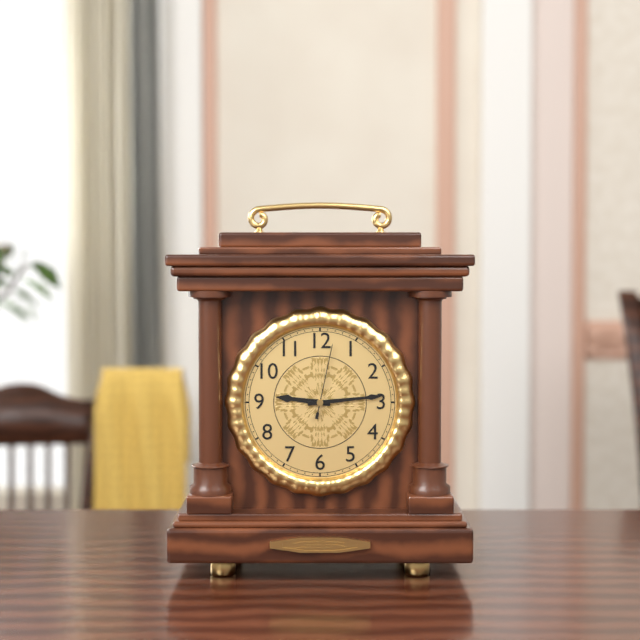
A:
**9:14:02**
